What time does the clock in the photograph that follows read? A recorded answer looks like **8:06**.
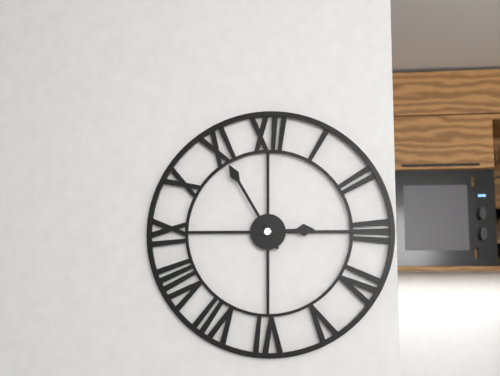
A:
**2:55**
